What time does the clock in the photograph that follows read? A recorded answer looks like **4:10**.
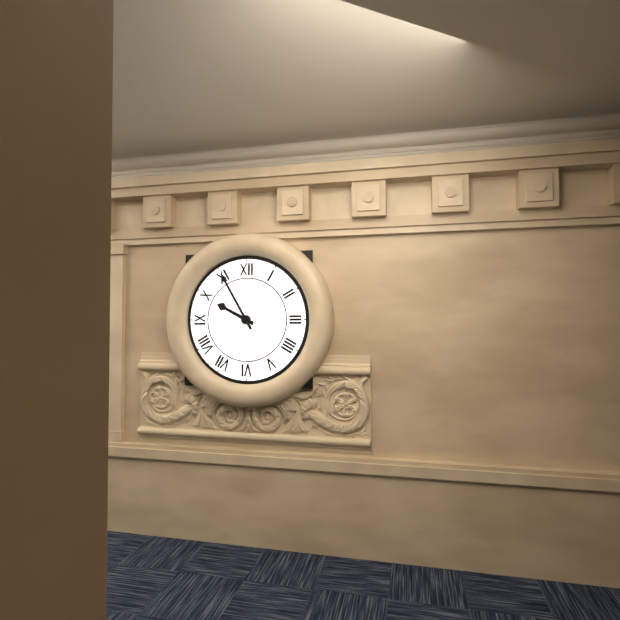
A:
**9:55**
